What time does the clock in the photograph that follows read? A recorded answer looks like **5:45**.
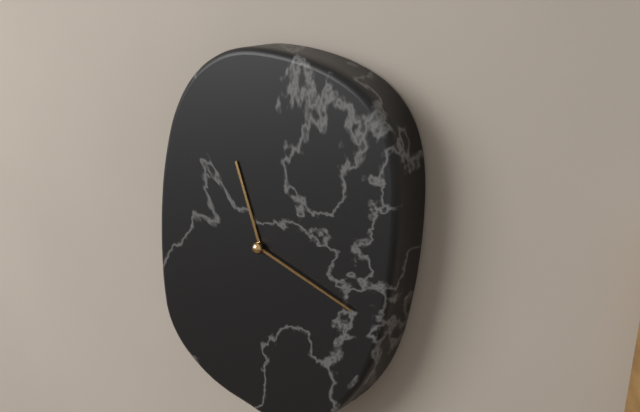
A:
**11:18**
